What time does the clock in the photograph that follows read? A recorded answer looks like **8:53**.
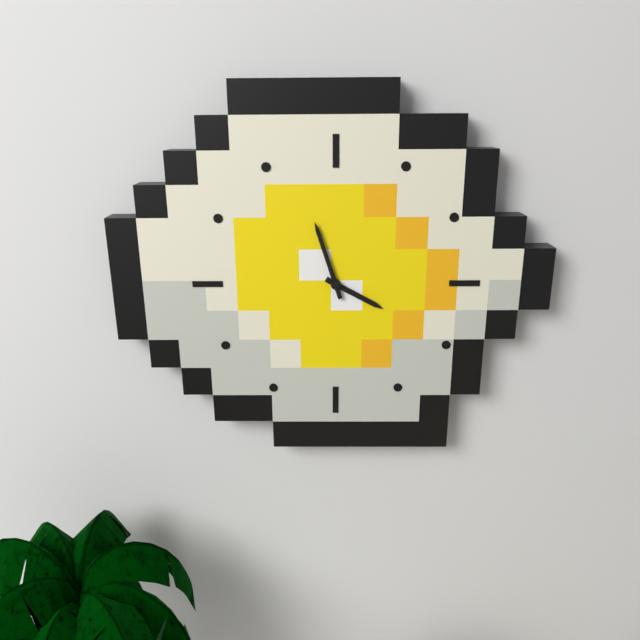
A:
**3:57**
